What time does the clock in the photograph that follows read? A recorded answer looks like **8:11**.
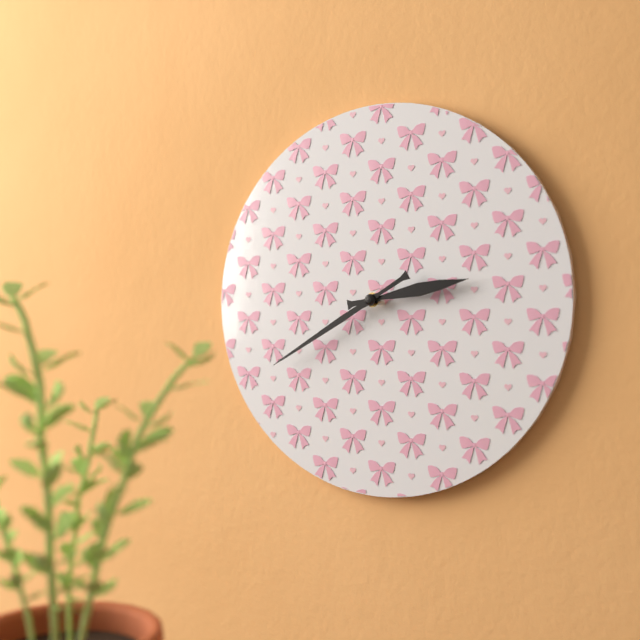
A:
**2:40**
